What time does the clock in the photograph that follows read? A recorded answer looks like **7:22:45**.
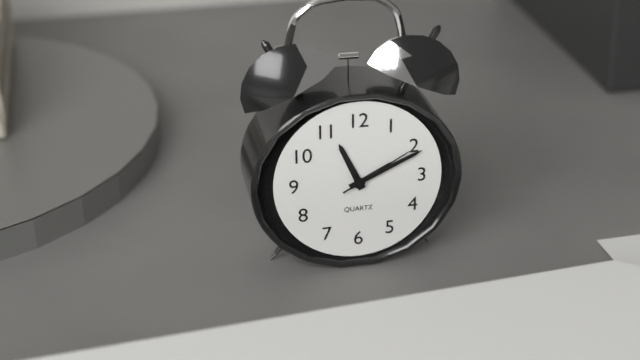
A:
**11:11:10**
